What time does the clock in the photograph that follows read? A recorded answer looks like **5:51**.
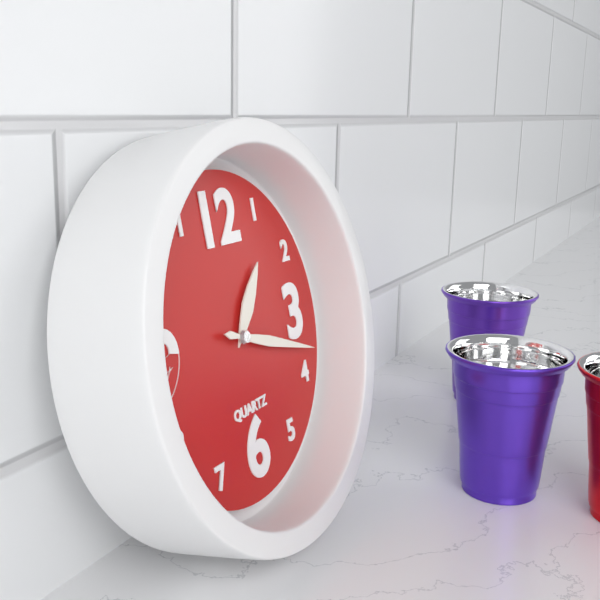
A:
**1:18**
